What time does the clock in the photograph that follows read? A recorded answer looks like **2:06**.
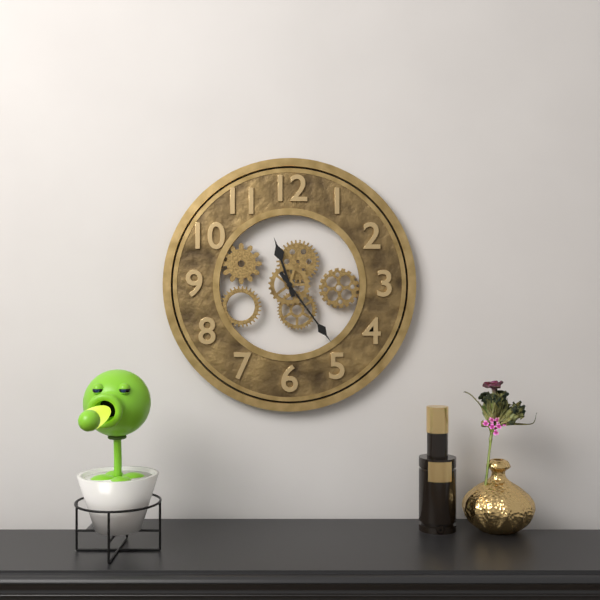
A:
**11:24**
